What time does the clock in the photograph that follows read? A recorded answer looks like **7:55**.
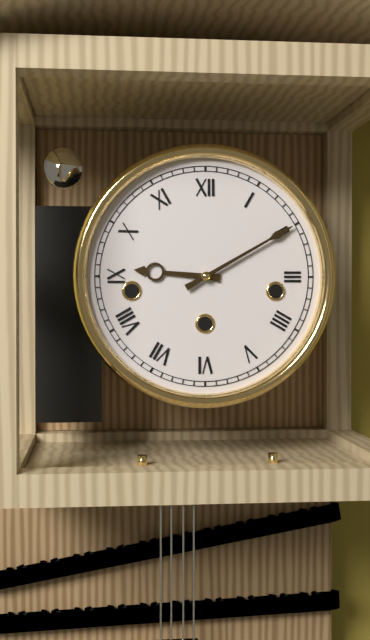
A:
**9:10**
